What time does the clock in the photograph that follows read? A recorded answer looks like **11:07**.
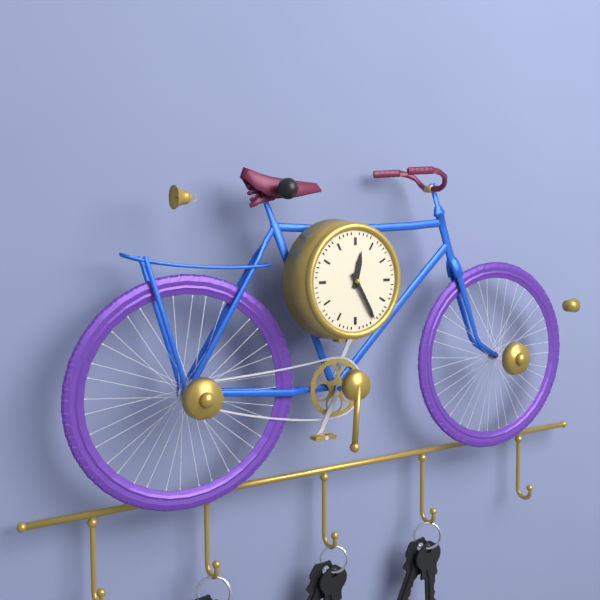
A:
**12:25**
